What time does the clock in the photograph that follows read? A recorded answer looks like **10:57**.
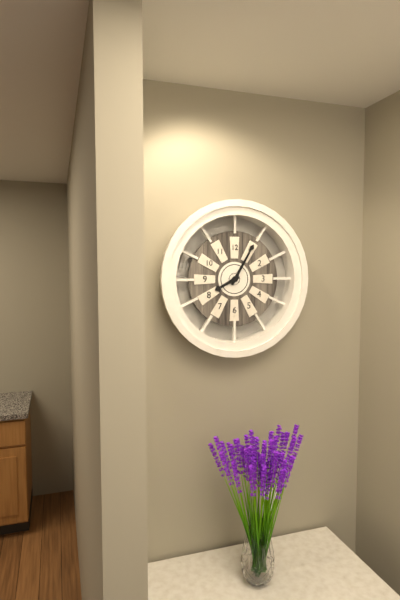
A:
**8:05**
